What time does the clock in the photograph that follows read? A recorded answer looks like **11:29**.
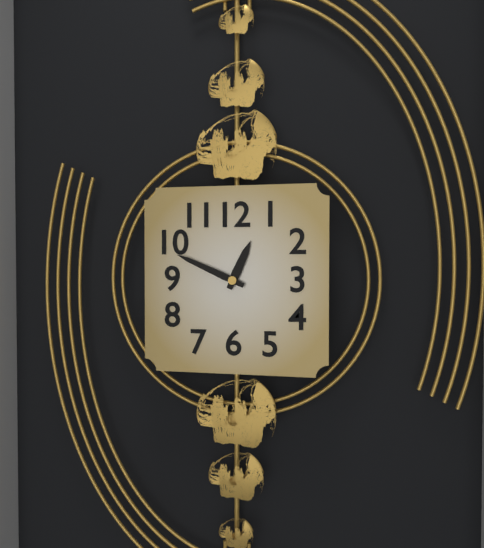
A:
**12:49**
